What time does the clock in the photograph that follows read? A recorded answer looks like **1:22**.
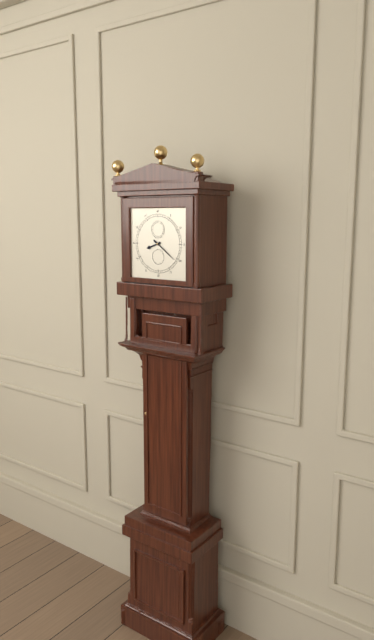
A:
**8:21**
